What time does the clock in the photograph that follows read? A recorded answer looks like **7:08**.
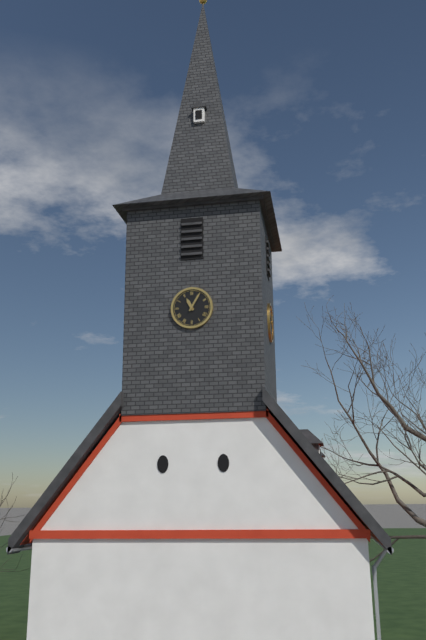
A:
**11:05**
